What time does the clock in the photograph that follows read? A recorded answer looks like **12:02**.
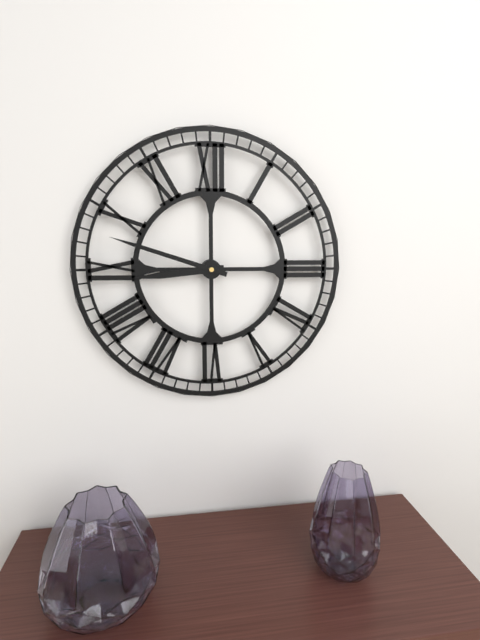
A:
**8:48**
